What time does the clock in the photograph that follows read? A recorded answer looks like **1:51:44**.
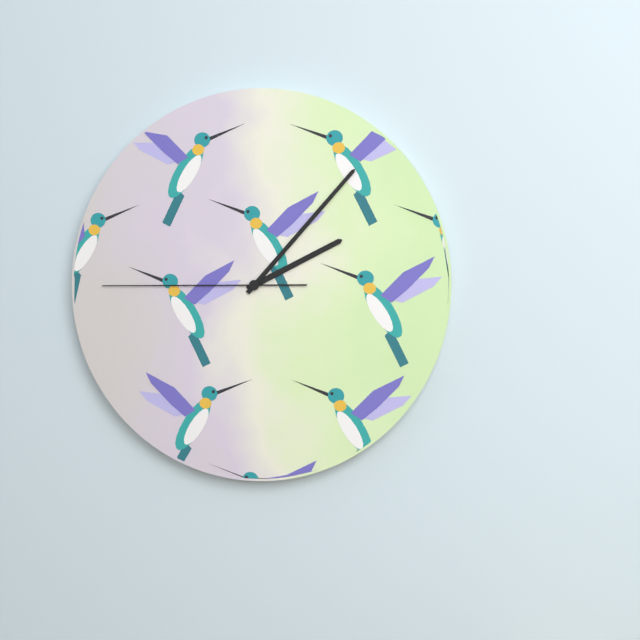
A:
**2:07:45**
